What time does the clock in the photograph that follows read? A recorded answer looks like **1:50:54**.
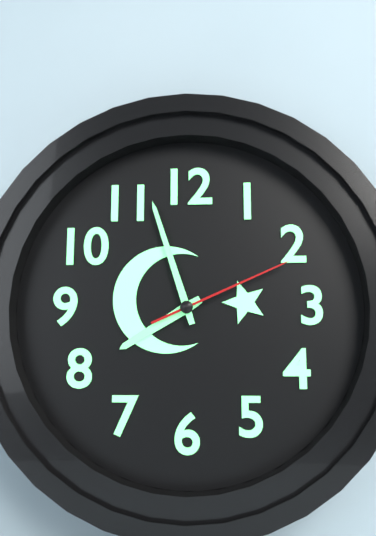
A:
**7:57:11**
